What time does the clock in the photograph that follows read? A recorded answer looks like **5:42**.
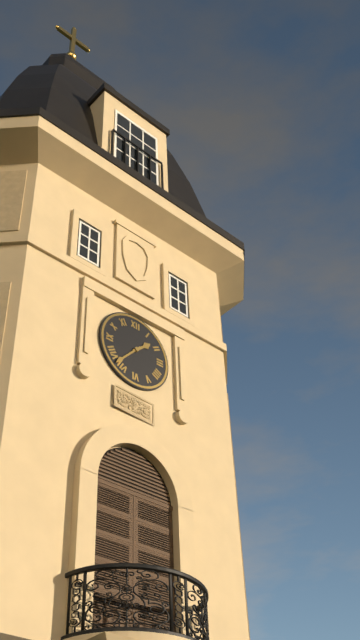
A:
**1:37**
